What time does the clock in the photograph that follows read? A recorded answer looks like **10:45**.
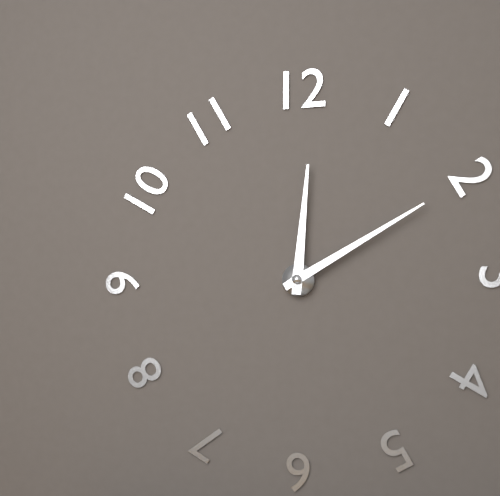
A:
**12:10**
